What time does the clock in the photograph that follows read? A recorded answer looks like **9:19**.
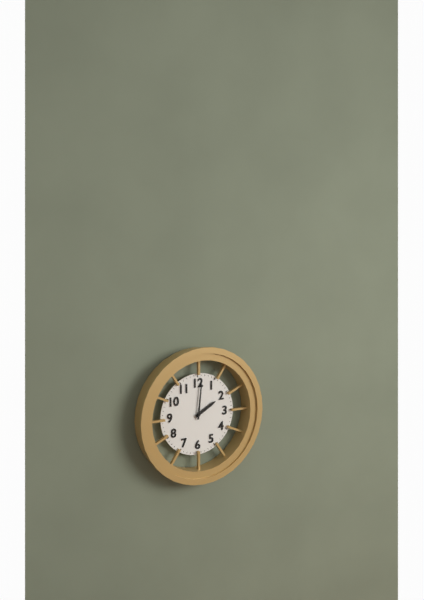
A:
**2:01**
